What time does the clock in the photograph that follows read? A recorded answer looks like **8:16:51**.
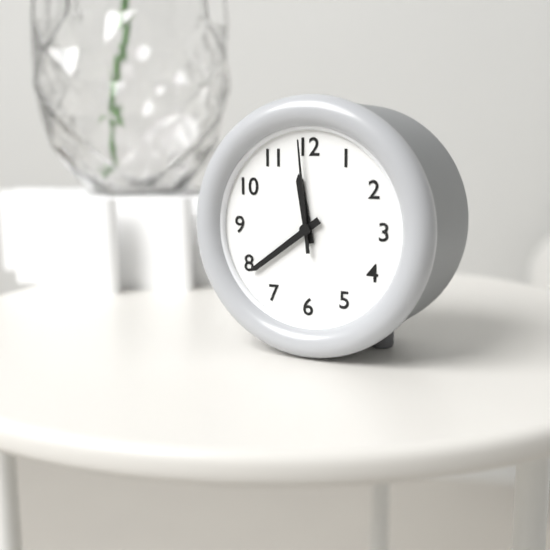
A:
**11:39:59**
